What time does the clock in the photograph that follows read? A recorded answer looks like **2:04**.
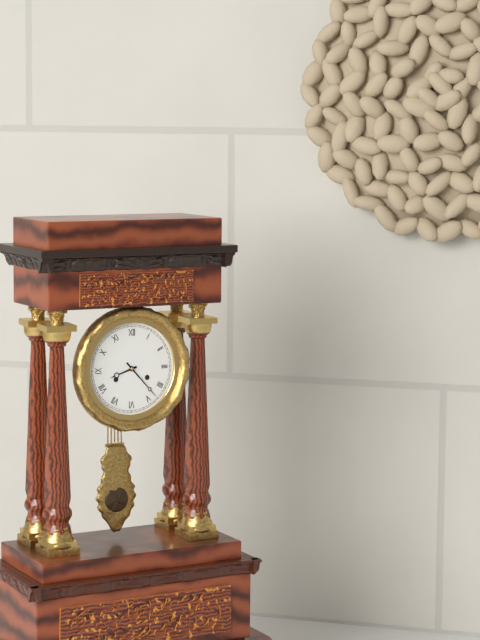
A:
**8:23**
